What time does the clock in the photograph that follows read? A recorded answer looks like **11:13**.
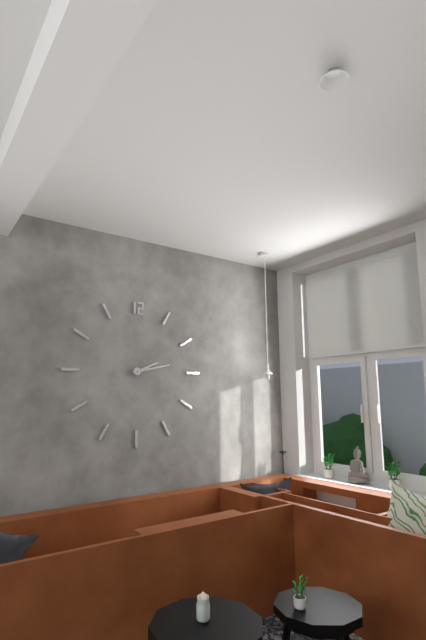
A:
**2:13**
